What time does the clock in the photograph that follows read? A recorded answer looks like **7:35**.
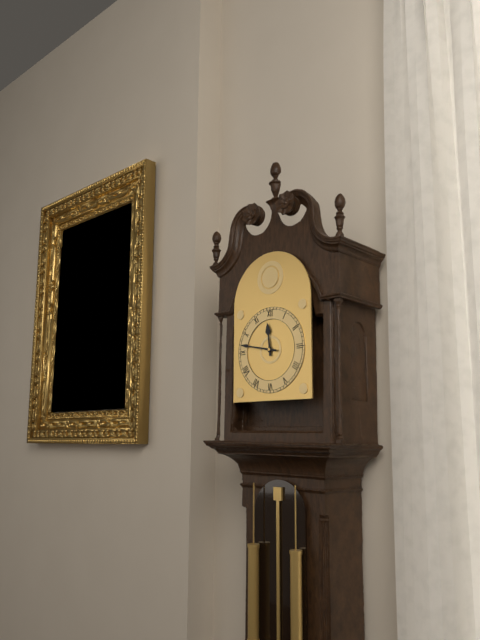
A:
**11:47**
